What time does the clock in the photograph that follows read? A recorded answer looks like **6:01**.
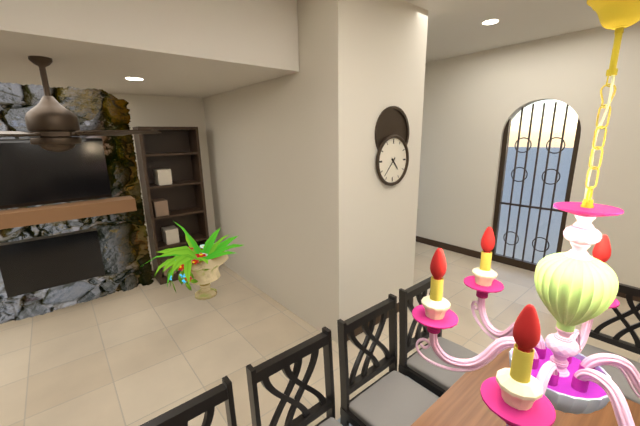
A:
**4:37**
